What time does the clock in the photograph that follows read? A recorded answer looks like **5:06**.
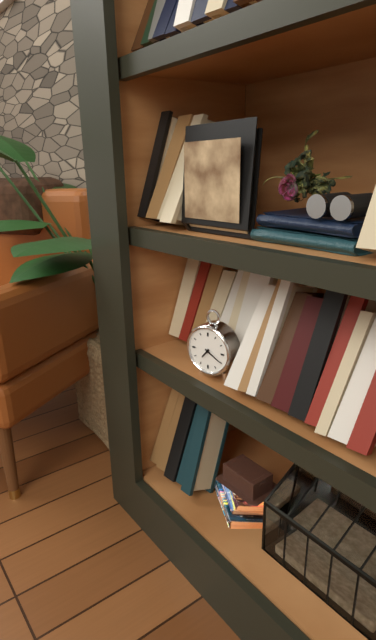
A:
**7:20**
